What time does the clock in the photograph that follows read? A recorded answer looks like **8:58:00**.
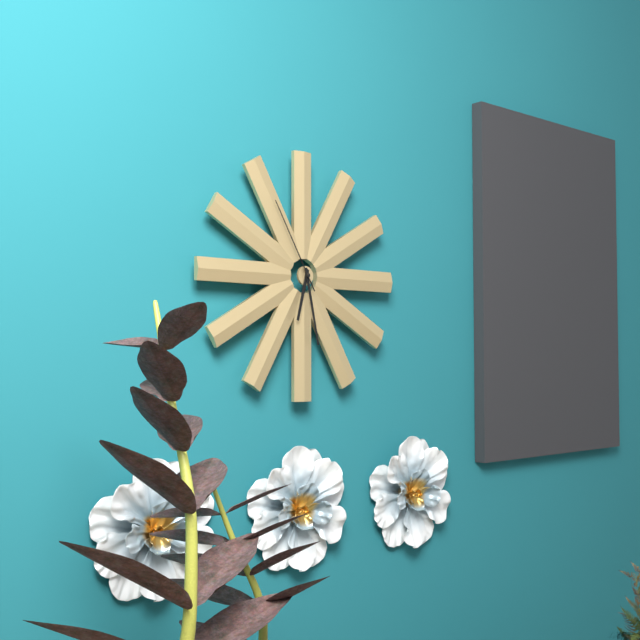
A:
**6:28:55**
